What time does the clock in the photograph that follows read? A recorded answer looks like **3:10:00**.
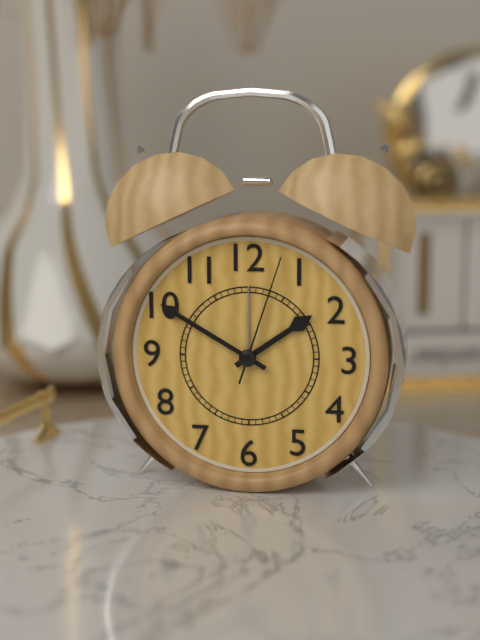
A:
**1:50:03**
